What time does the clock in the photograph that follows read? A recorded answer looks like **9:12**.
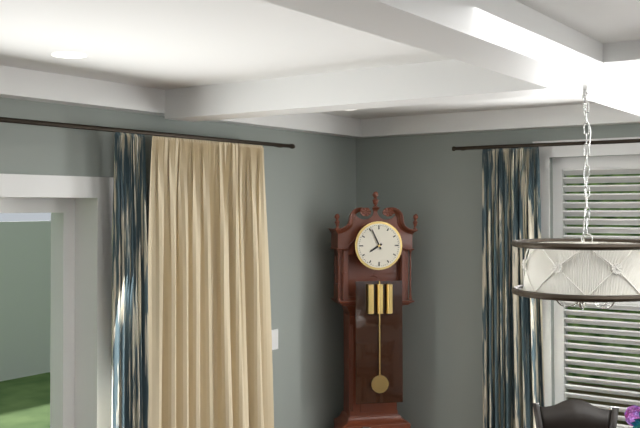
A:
**7:56**
